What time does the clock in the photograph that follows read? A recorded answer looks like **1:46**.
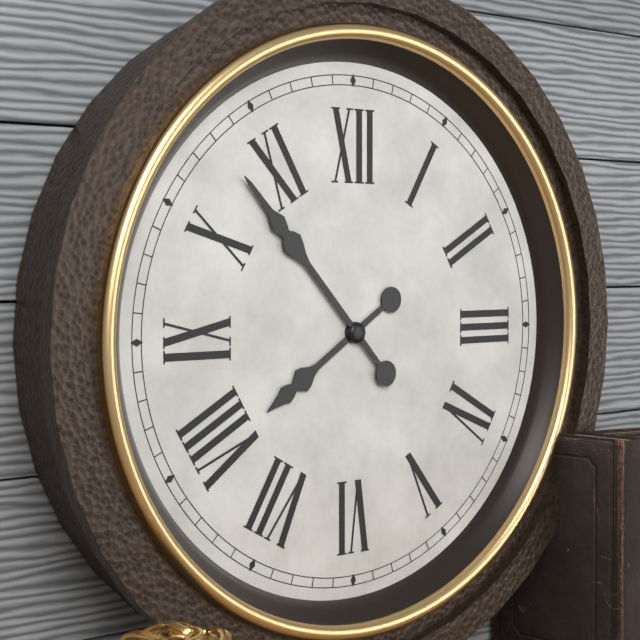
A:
**7:53**
